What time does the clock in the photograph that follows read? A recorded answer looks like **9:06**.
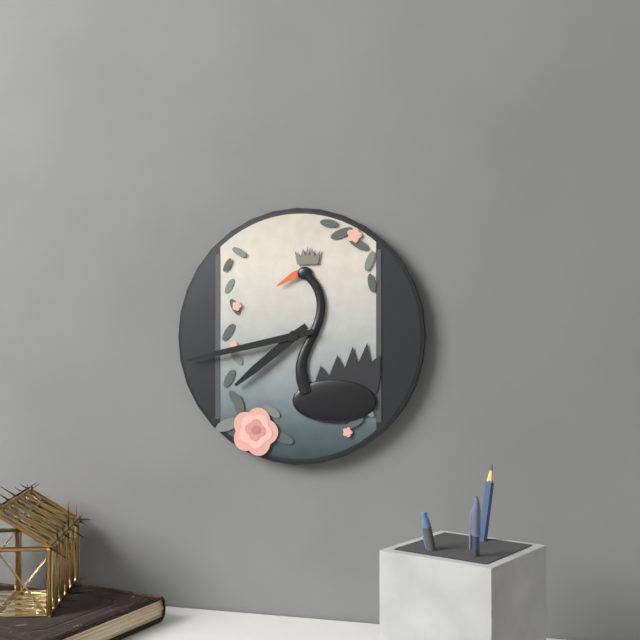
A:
**7:43**
